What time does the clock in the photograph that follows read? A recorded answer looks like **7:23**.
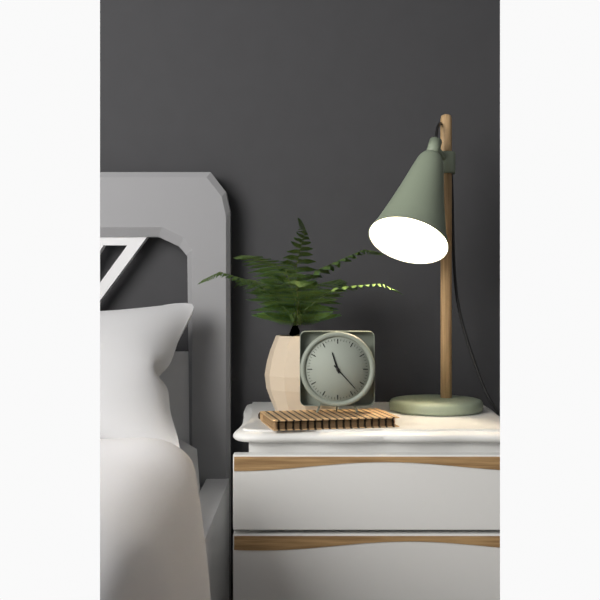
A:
**11:23**
